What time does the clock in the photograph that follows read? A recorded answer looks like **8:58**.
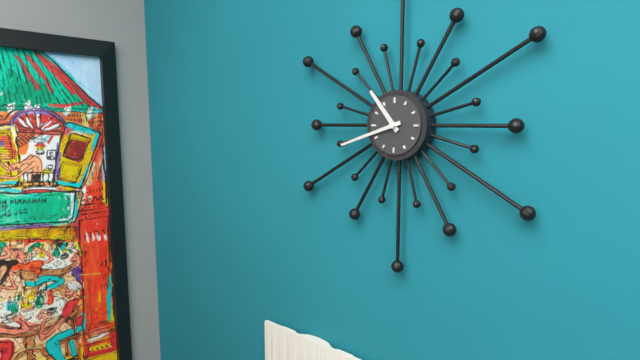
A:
**10:42**
